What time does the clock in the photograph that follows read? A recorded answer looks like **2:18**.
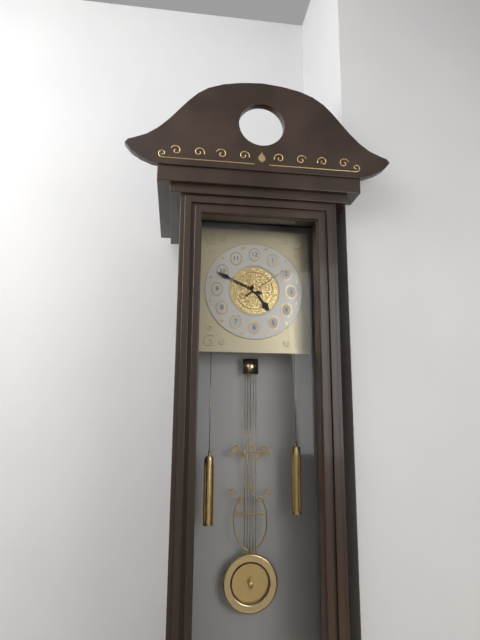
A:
**4:49**
